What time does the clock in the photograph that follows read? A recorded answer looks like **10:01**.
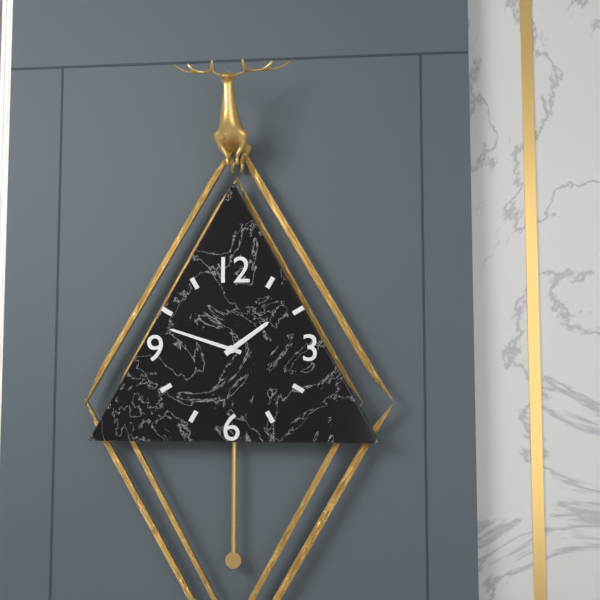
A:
**1:48**
